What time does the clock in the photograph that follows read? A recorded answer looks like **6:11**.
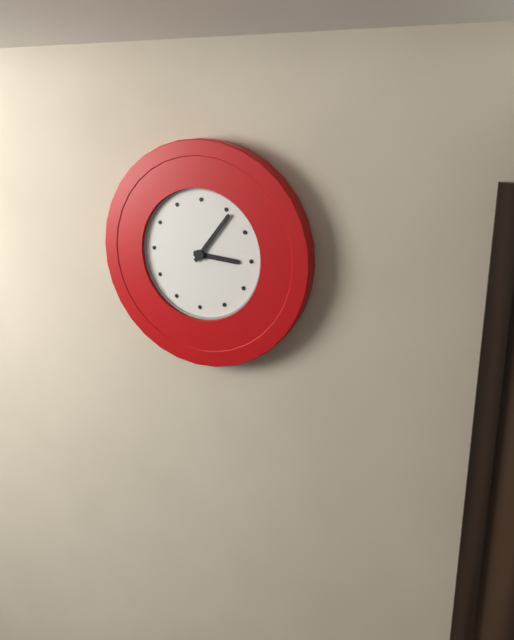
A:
**3:06**
